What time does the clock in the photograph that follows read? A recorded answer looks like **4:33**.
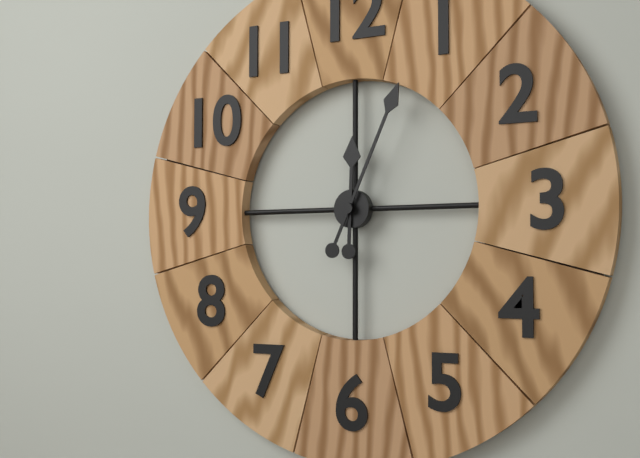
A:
**12:04**
